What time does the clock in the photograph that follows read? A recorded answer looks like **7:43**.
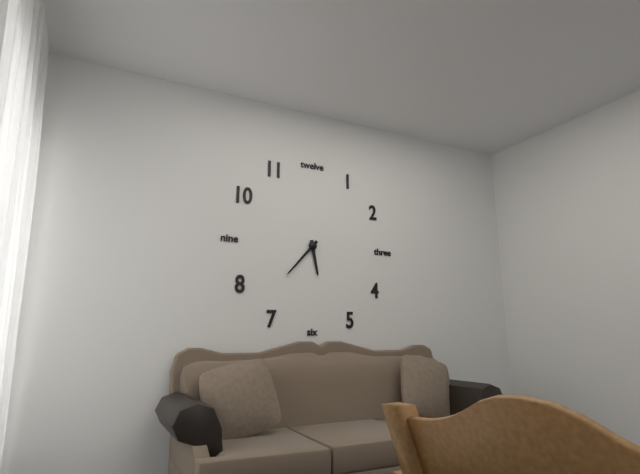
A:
**5:37**
